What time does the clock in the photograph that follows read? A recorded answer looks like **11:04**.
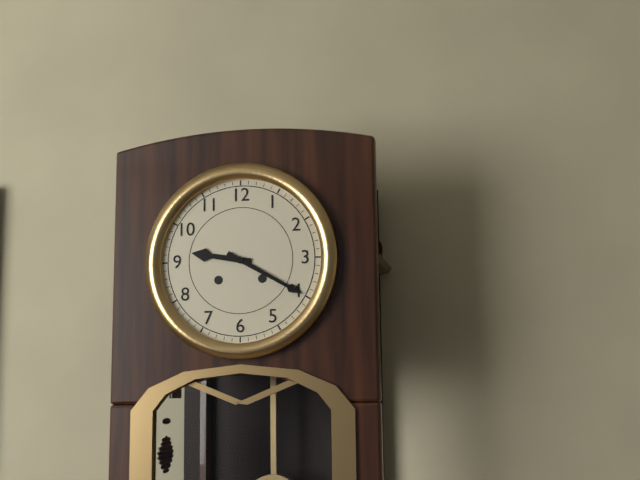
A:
**9:20**
